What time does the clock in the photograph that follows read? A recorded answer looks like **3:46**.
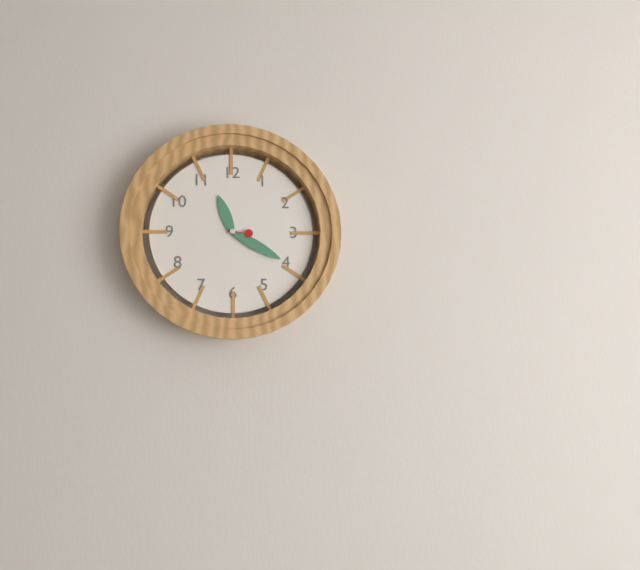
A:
**11:20**
